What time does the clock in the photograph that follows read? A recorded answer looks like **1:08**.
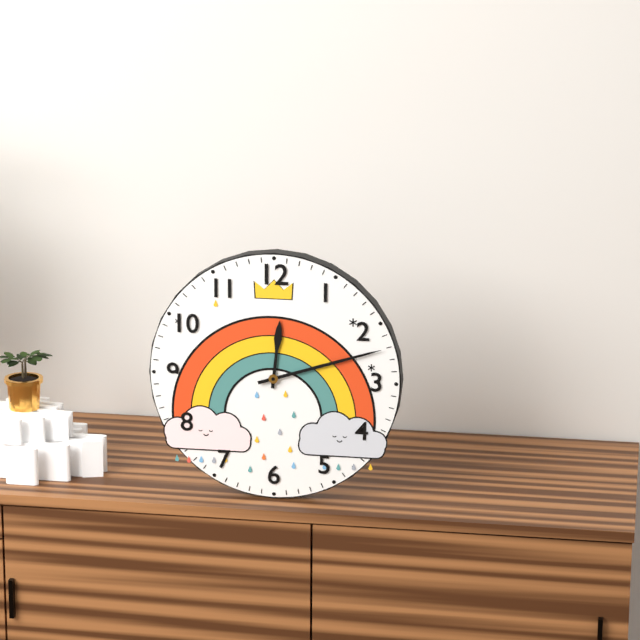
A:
**12:12**
